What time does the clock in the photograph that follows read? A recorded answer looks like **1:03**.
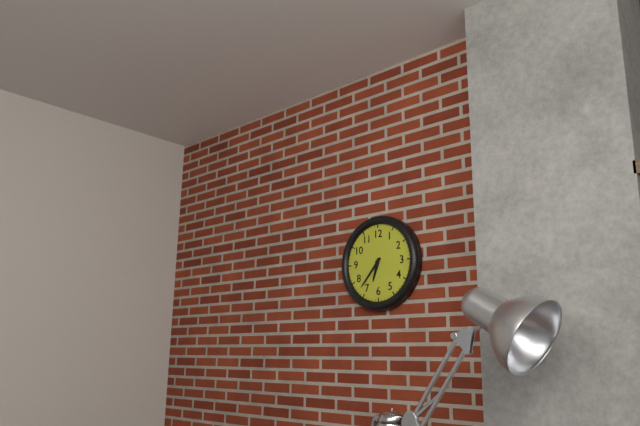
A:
**6:37**
